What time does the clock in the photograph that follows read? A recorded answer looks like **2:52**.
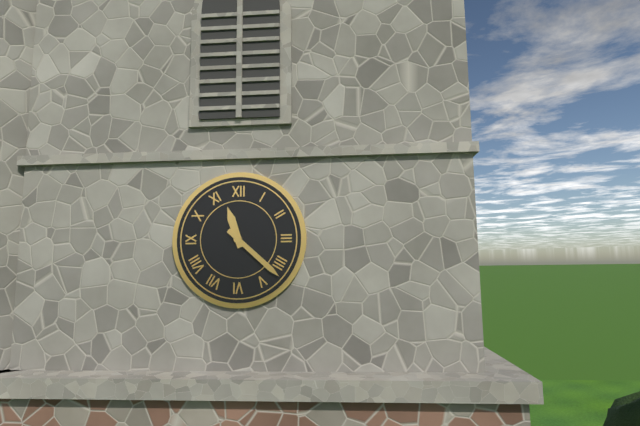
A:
**11:22**
